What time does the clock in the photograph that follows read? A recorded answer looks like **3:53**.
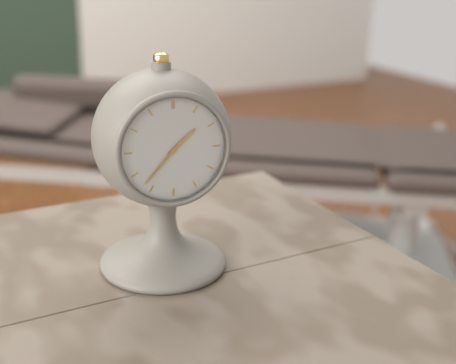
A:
**1:37**
